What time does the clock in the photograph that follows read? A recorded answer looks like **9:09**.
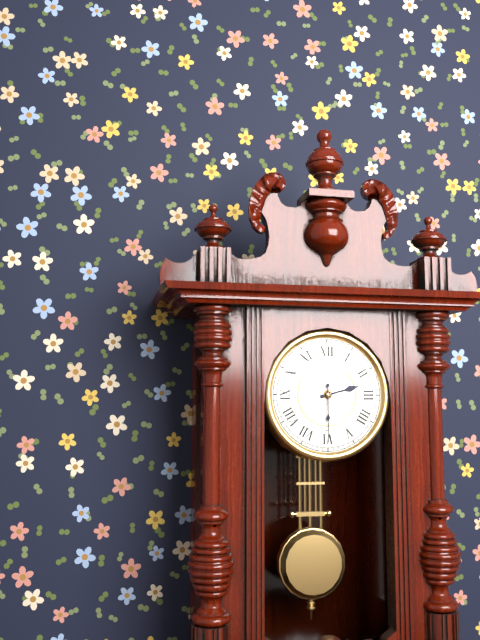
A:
**2:30**
